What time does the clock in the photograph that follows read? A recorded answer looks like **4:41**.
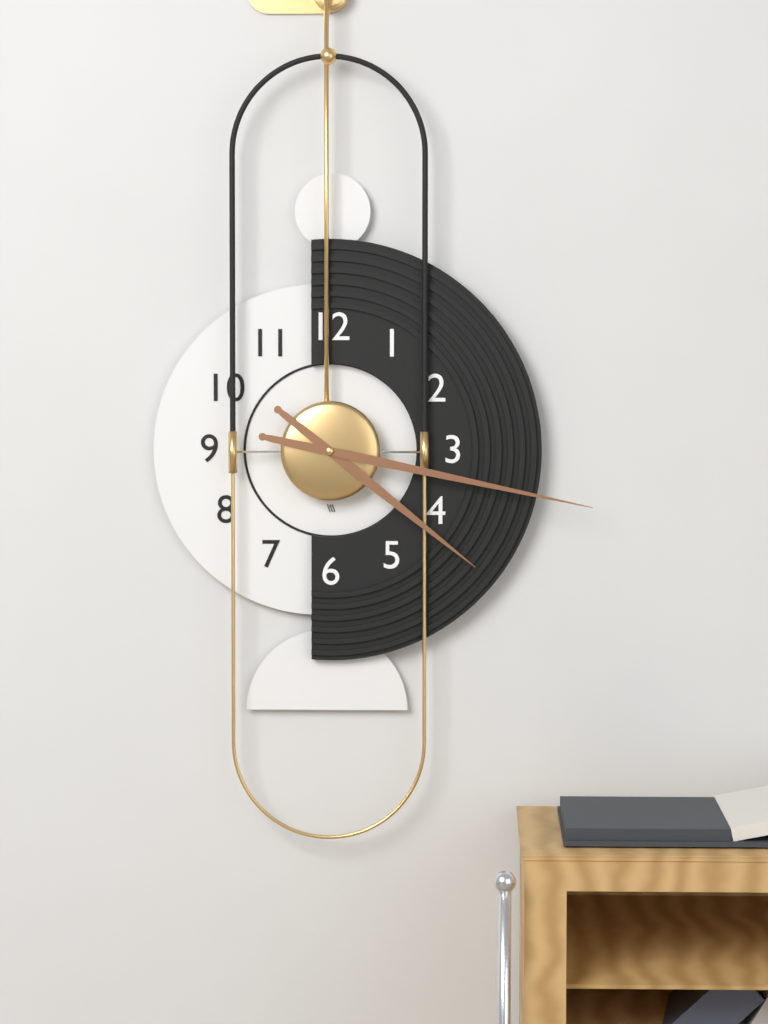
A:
**4:17**
